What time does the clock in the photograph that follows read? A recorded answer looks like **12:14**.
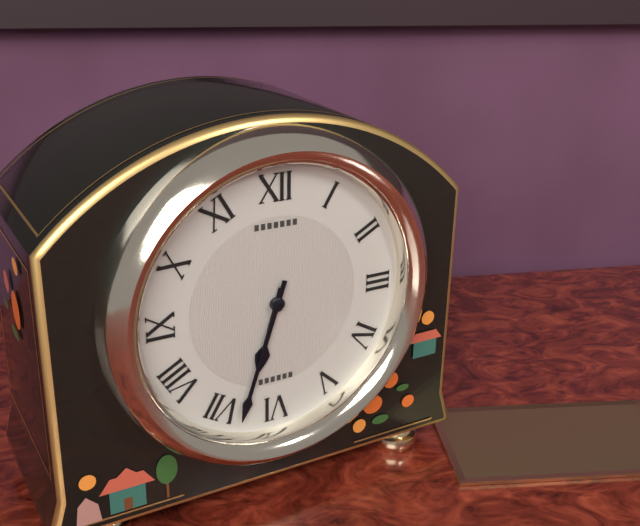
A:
**6:33**
